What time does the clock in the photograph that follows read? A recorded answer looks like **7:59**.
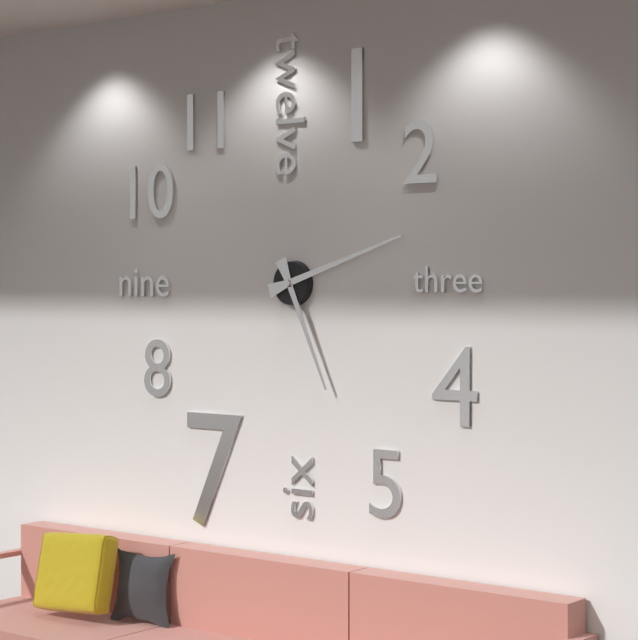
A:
**5:12**
